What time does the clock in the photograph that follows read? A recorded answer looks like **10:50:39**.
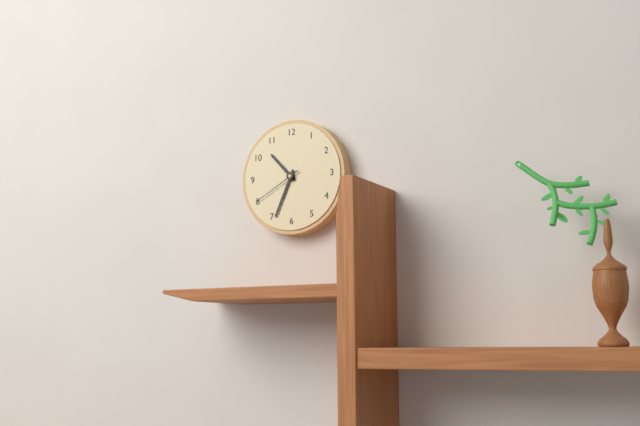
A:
**10:34:40**
